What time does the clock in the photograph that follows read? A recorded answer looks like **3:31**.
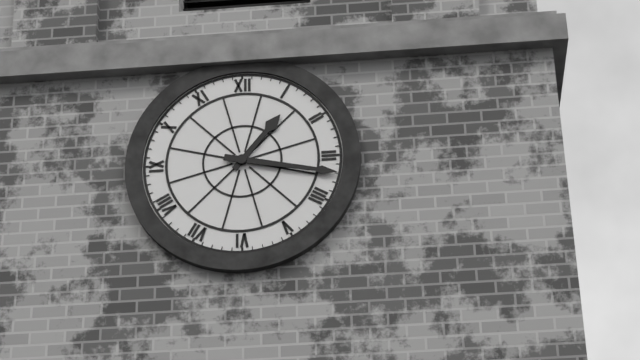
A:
**1:17**
